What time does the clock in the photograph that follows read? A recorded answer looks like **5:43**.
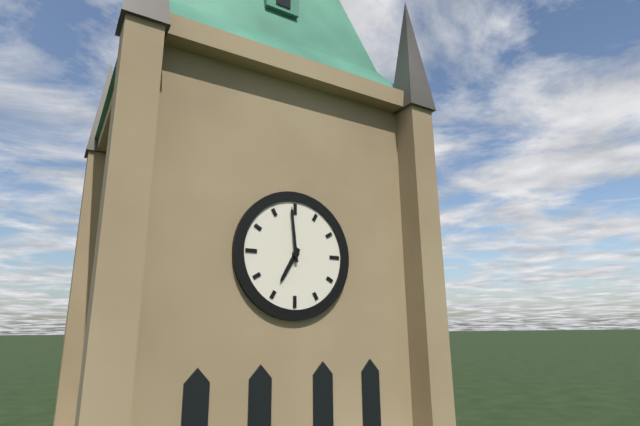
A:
**6:59**
